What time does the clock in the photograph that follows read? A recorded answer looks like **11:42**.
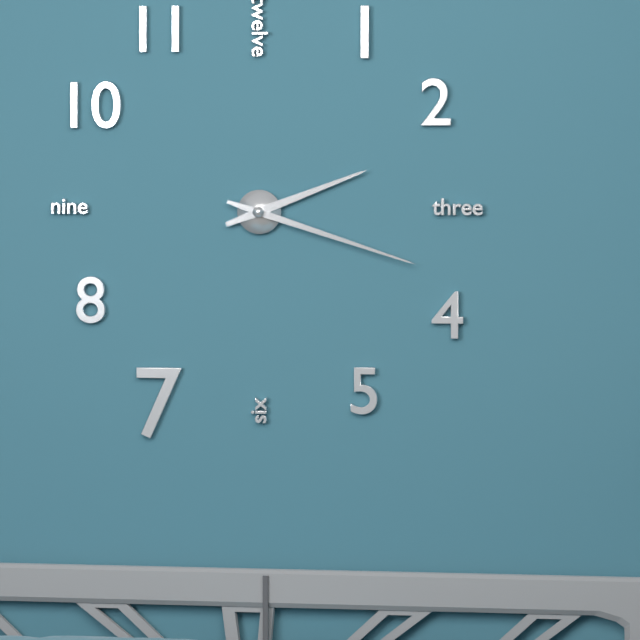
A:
**2:18**
